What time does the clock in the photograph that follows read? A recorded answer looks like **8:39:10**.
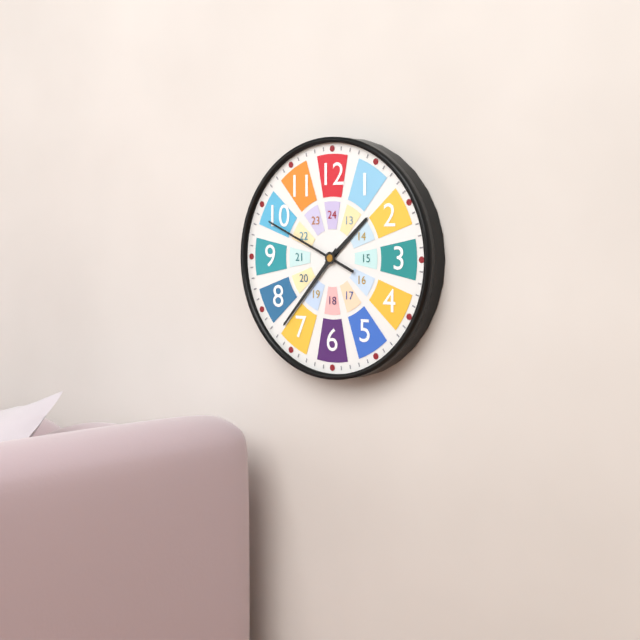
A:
**1:37:49**
